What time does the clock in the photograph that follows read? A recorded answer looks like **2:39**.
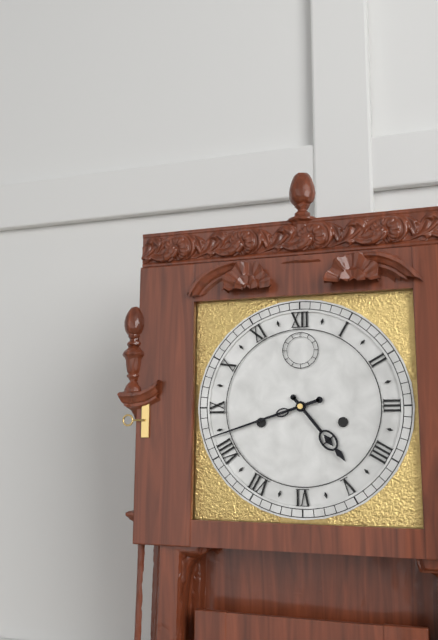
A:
**4:42**
